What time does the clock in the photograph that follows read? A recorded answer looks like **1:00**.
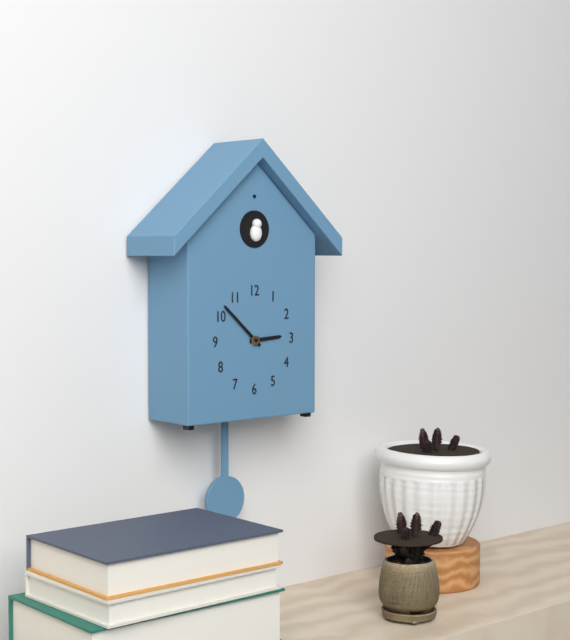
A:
**2:52**
